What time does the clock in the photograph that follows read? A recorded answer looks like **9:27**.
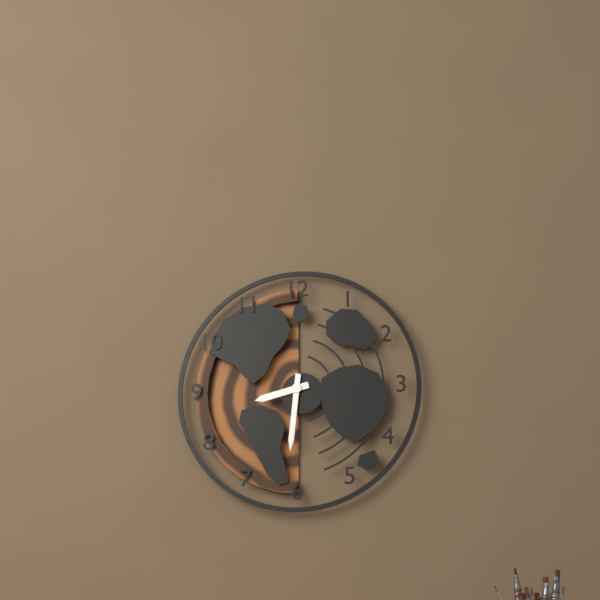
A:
**8:31**
